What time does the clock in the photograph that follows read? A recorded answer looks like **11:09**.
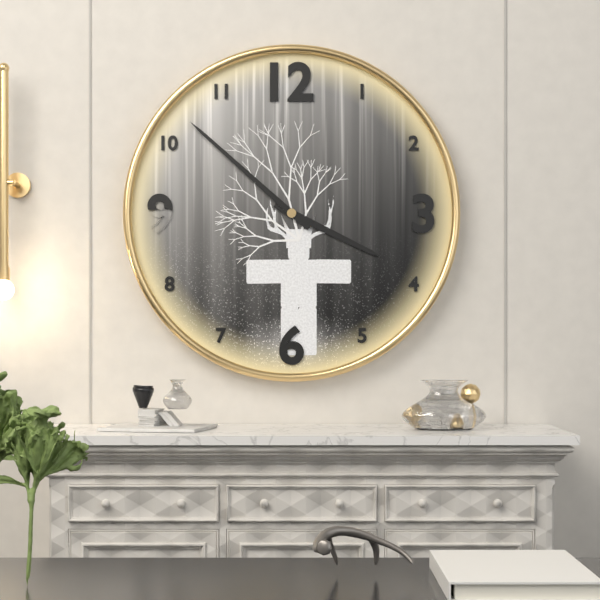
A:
**3:52**
